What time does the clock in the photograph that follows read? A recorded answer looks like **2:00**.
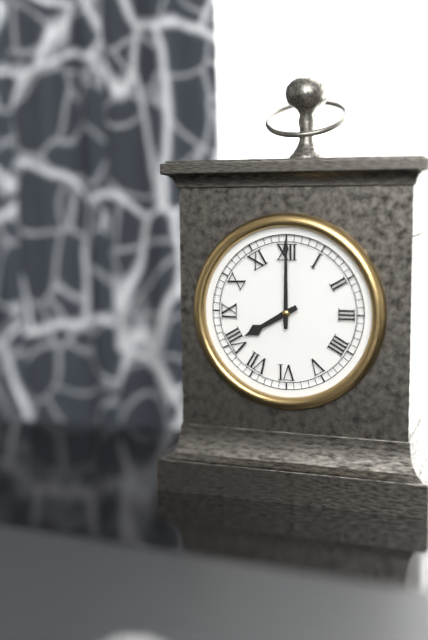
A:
**8:00**
